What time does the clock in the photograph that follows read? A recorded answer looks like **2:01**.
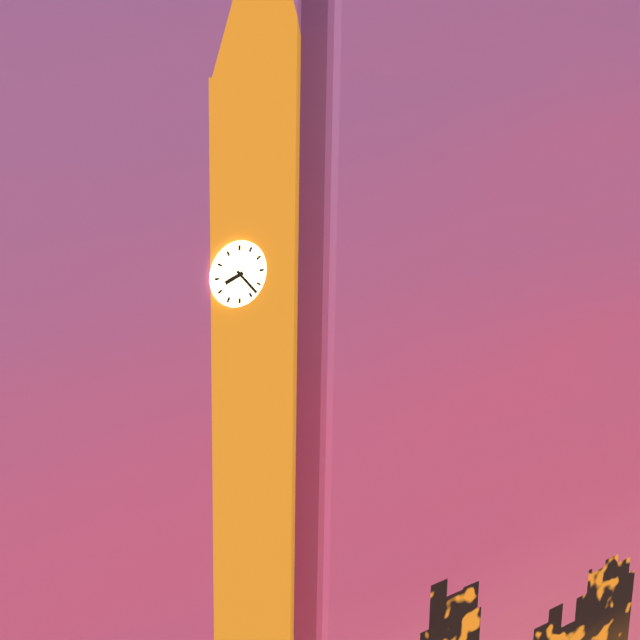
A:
**8:23**
